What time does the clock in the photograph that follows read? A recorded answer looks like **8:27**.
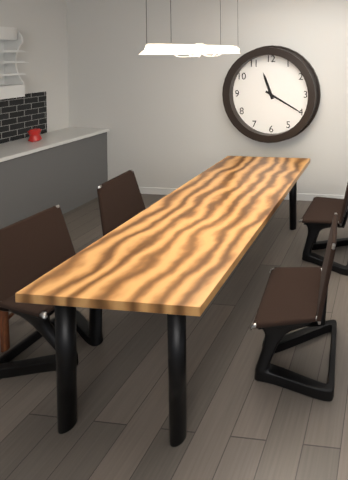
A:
**11:20**
